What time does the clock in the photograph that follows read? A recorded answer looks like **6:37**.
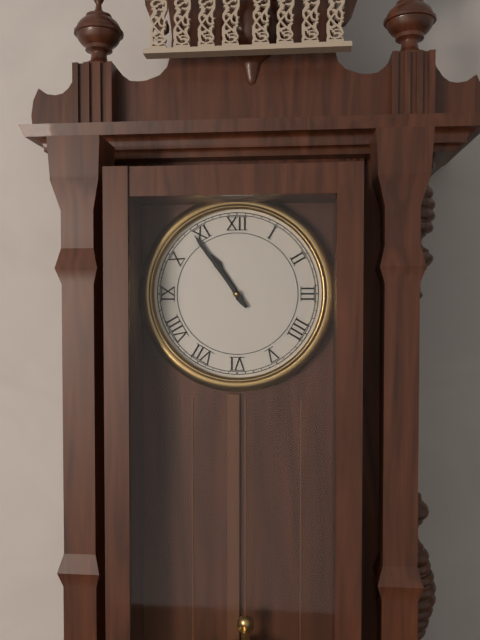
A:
**10:54**
